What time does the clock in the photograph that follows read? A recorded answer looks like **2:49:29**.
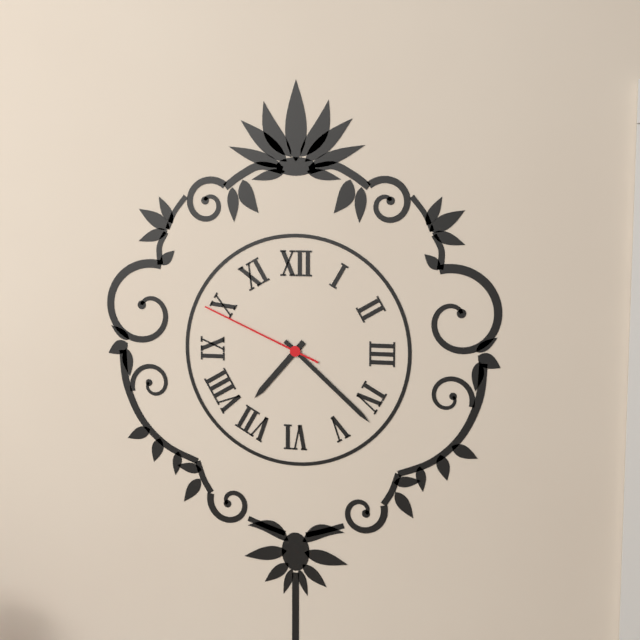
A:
**7:22:49**
